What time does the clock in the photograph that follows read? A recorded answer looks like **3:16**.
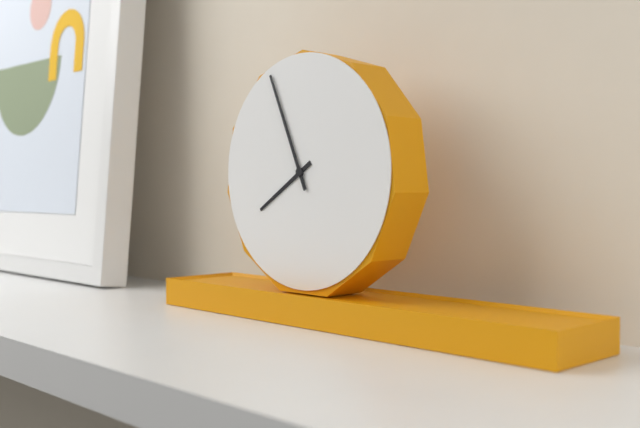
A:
**7:56**
